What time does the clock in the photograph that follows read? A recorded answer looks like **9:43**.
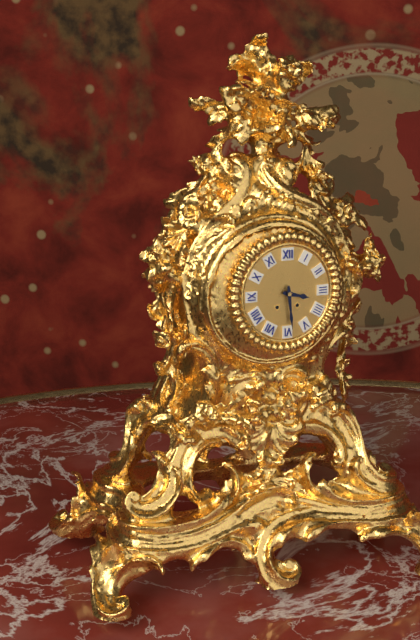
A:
**3:29**
